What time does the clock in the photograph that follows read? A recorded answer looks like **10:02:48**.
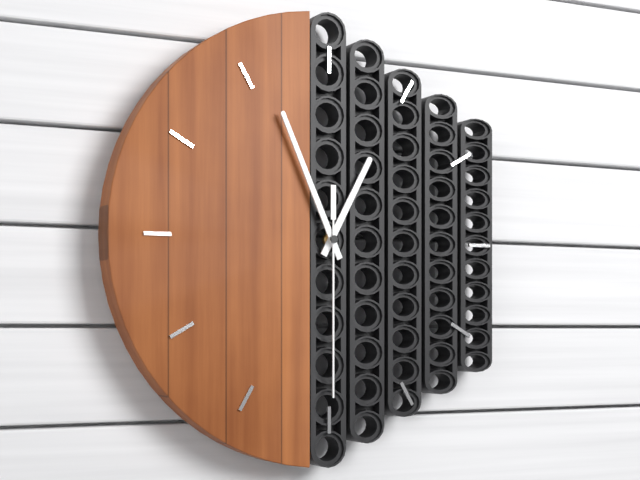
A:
**12:56:30**
